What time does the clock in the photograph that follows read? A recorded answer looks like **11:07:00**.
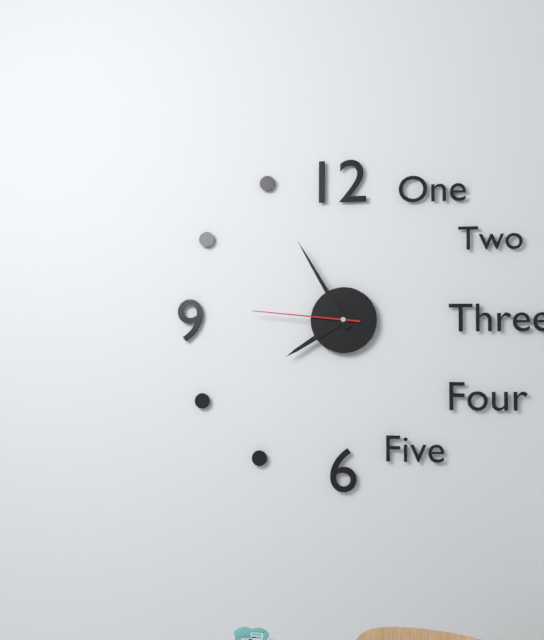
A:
**7:55:46**
